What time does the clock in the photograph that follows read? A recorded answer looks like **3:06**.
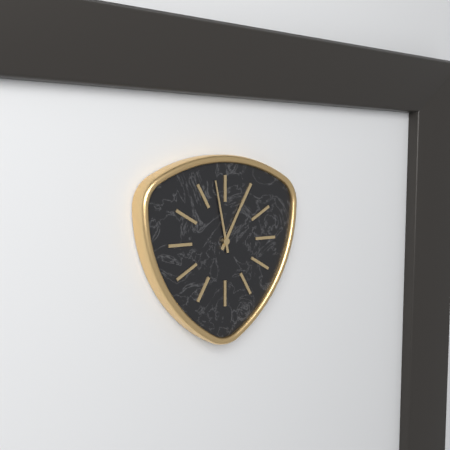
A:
**12:58**
